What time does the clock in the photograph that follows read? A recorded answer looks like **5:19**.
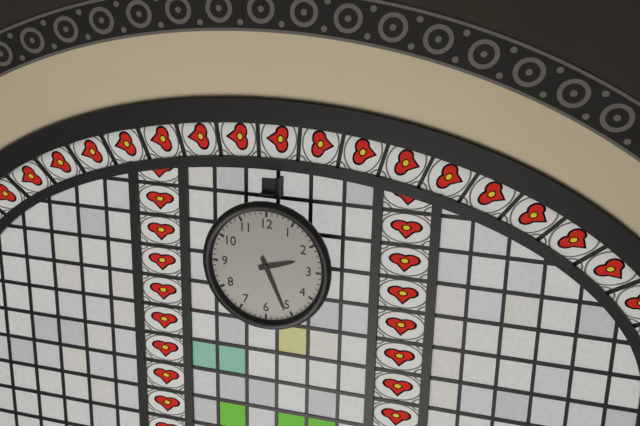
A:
**2:26**
